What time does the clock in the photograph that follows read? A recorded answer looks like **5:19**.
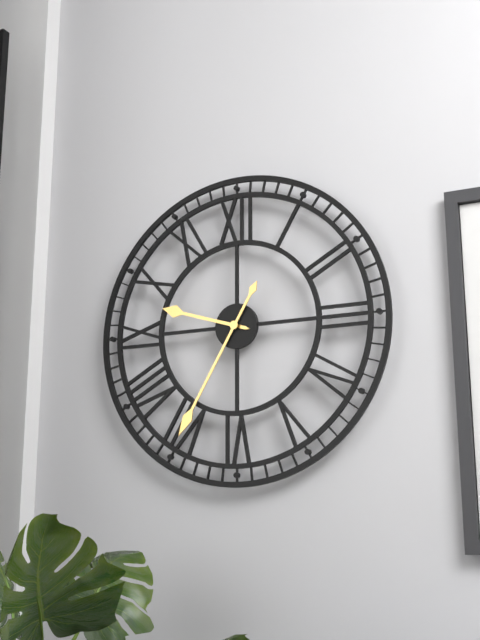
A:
**9:35**
